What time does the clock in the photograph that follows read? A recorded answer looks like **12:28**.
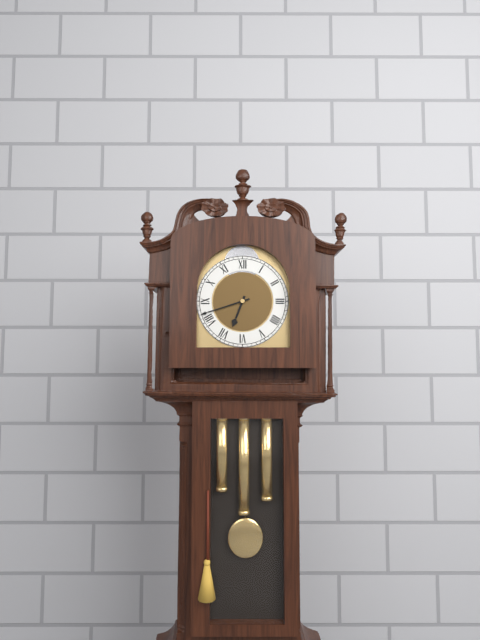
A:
**6:42**
